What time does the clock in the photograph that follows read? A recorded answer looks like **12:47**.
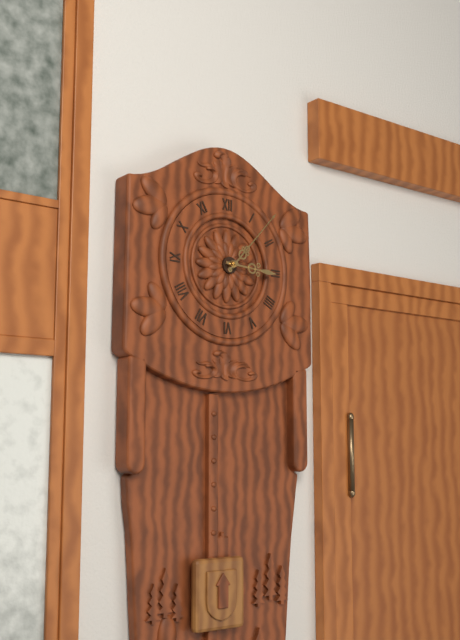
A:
**3:07**
